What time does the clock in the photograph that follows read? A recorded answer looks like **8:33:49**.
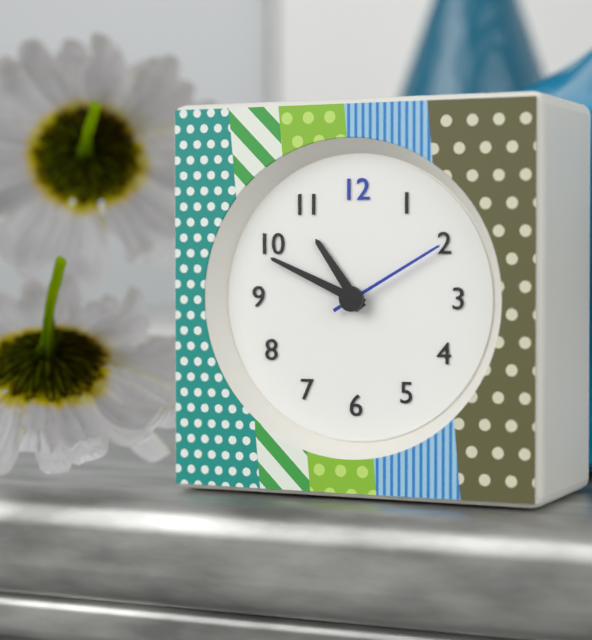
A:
**10:49:10**
